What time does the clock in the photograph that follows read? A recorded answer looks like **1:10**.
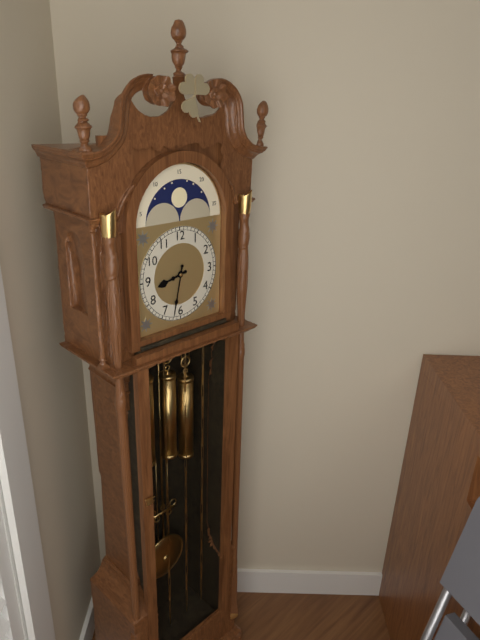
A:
**8:32**
